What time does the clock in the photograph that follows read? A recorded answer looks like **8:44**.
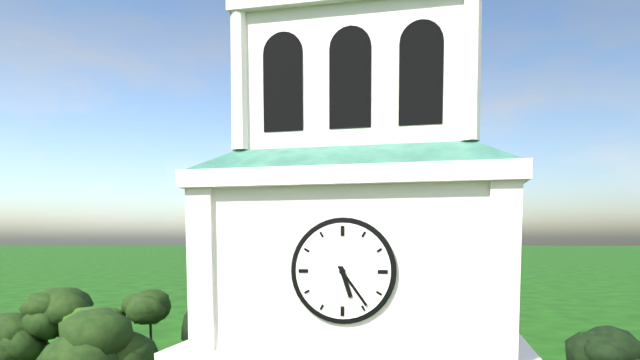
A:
**5:24**
